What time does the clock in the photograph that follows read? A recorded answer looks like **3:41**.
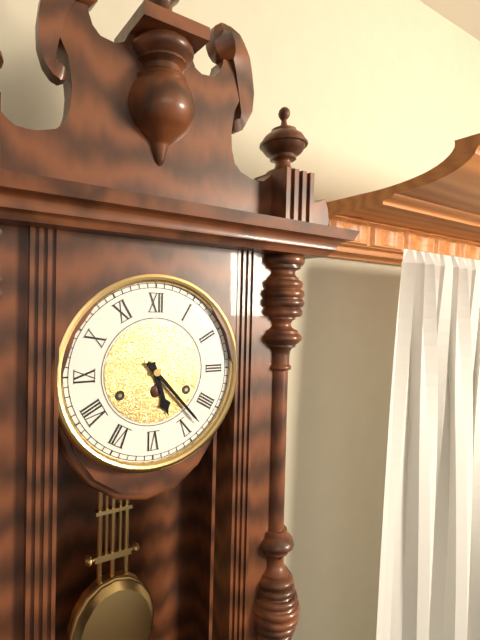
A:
**5:23**
